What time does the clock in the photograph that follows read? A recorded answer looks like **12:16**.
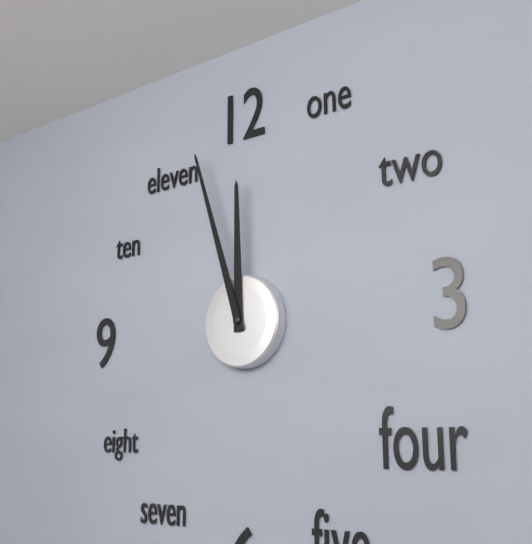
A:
**11:57**
